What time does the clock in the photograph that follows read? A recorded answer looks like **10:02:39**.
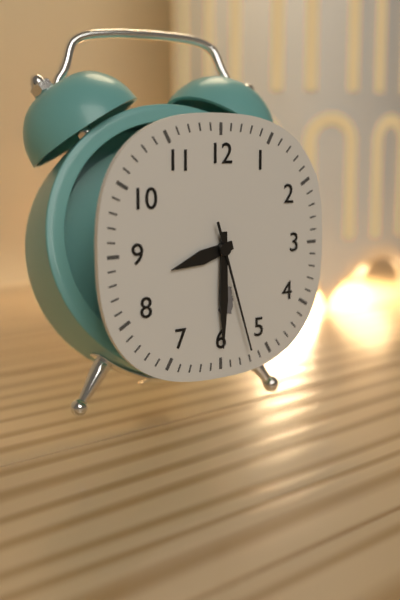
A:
**8:30:27**
